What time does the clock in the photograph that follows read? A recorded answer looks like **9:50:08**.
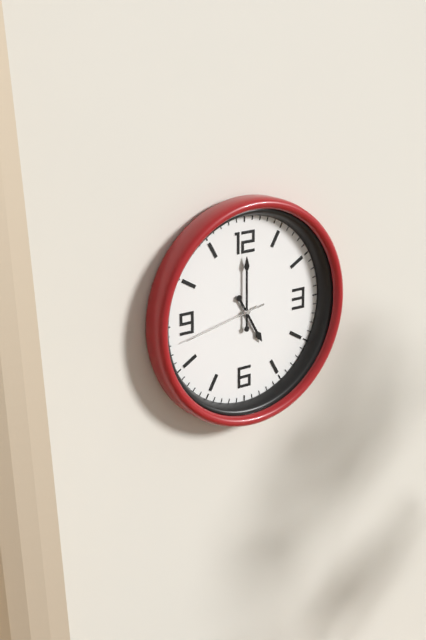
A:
**5:00:43**
